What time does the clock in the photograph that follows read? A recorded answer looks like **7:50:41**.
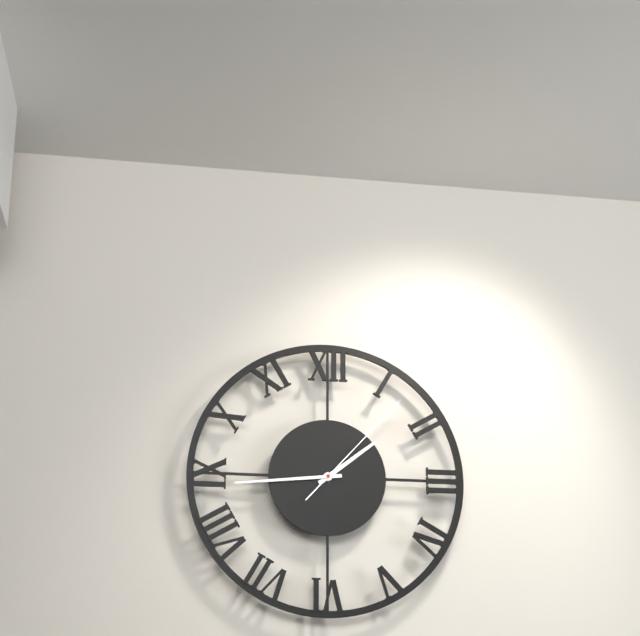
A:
**1:44:07**
